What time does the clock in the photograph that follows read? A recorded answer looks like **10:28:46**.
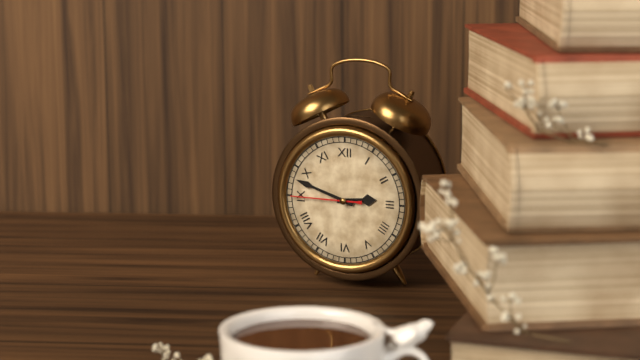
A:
**2:48:45**
